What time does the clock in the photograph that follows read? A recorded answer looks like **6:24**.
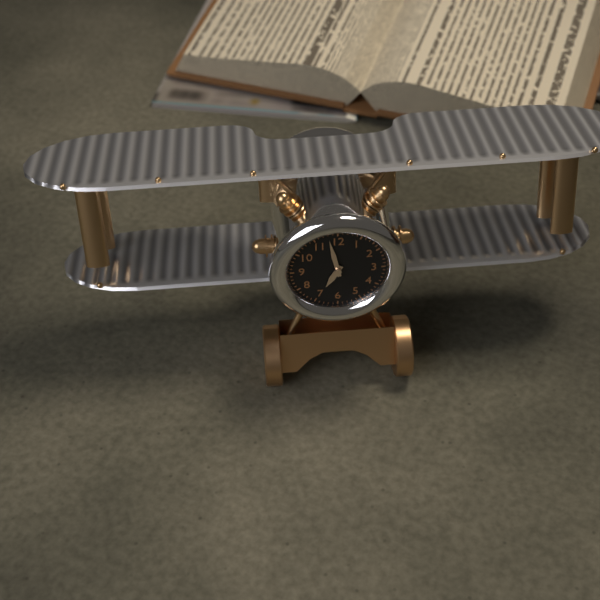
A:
**6:58**
